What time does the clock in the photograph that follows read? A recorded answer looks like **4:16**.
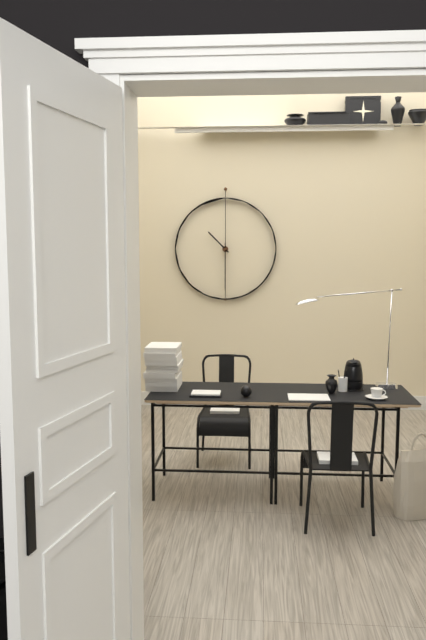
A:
**10:30**
